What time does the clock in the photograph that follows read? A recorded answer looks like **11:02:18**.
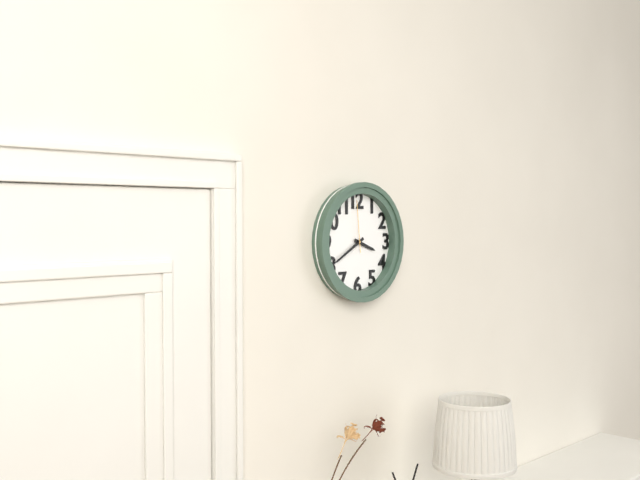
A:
**3:40:59**
